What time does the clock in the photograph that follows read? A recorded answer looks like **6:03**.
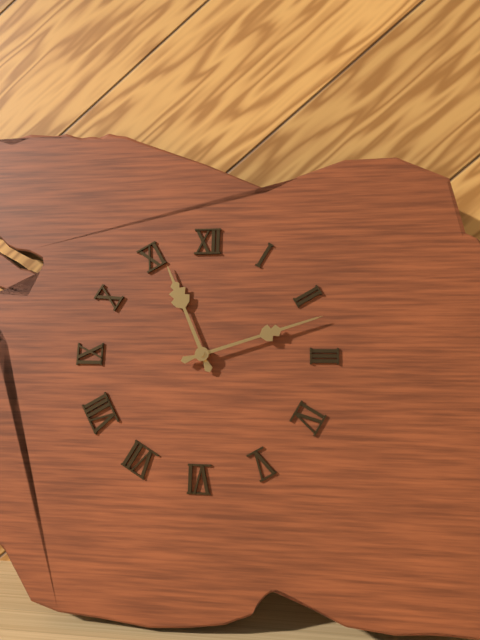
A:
**11:12**
